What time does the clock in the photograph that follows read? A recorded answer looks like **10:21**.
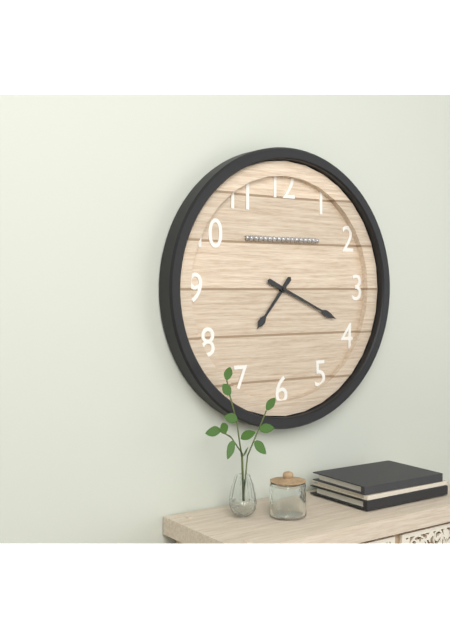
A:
**7:19**
